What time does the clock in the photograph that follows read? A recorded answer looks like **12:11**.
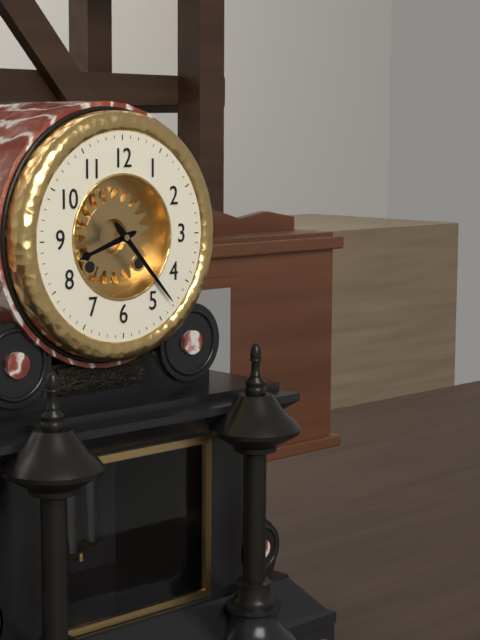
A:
**8:23**
